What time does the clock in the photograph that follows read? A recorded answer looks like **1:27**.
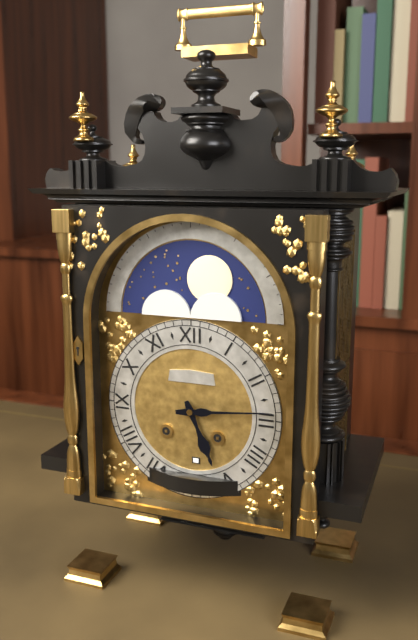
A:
**5:14**
